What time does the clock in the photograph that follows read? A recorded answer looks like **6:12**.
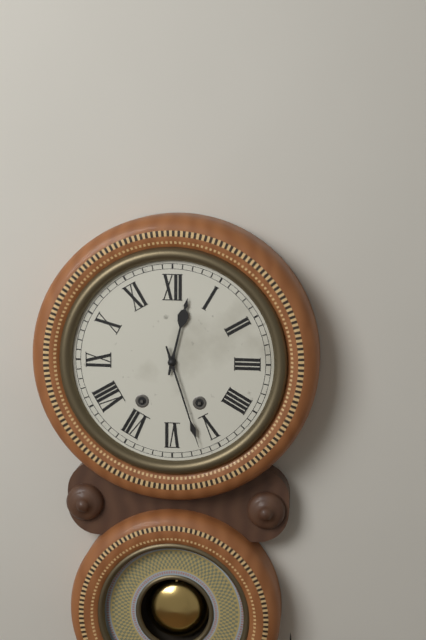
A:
**12:27**
